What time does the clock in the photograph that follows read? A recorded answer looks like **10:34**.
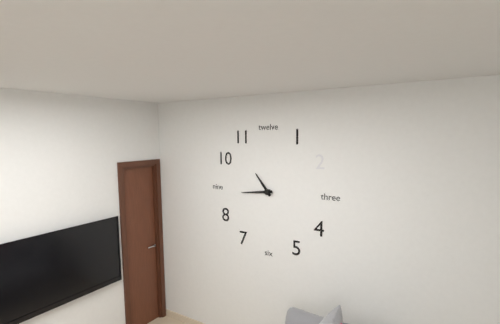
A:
**10:44**
